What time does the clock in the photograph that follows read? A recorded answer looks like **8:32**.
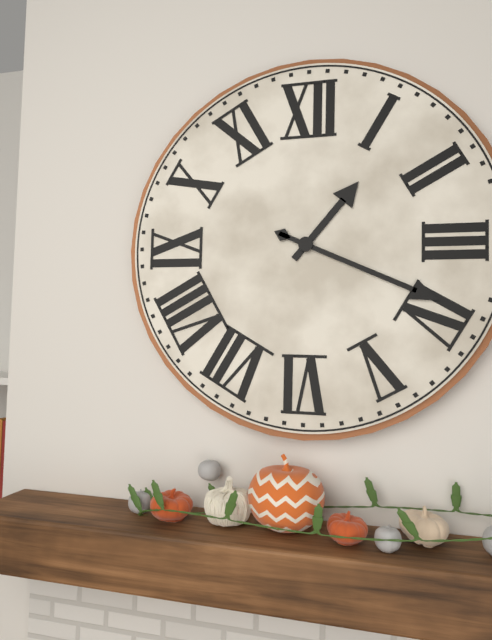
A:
**1:19**
